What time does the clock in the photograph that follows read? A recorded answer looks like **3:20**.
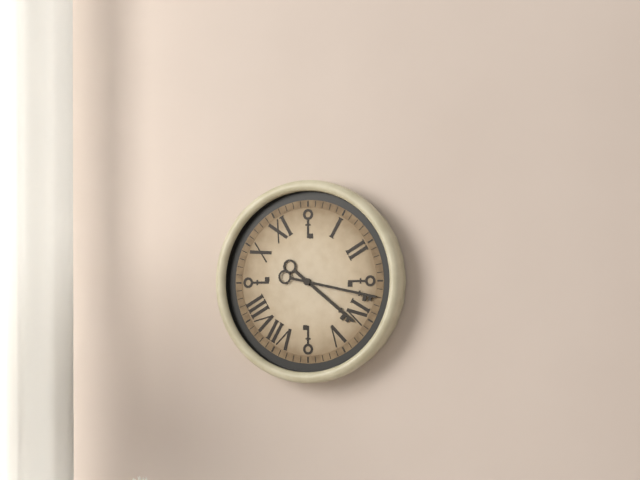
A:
**4:17**
